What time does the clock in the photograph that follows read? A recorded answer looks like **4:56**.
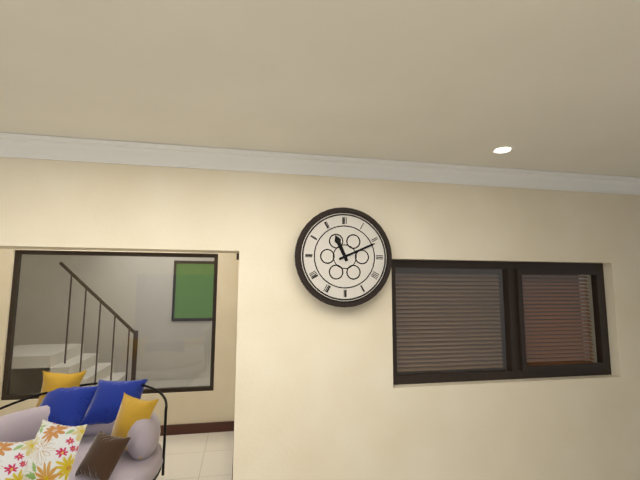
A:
**11:11**
